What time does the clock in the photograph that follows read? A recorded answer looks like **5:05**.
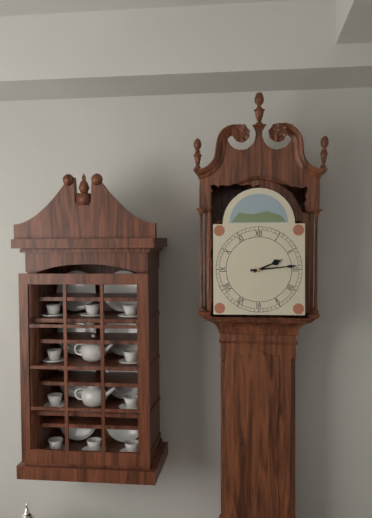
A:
**2:14**
